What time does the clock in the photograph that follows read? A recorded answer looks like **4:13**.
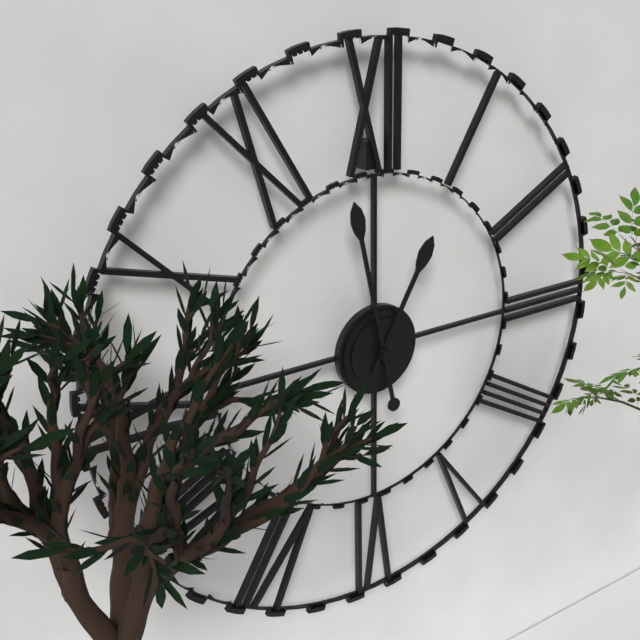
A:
**12:58**
